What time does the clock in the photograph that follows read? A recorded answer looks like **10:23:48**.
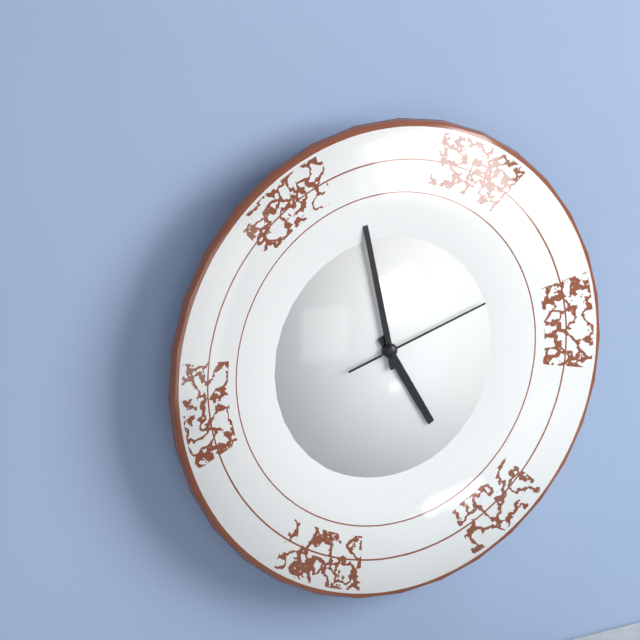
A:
**4:58:12**
